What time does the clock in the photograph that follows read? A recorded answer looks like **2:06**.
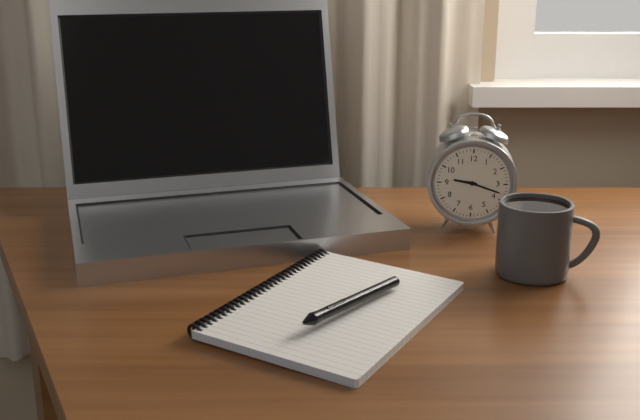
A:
**9:18**
